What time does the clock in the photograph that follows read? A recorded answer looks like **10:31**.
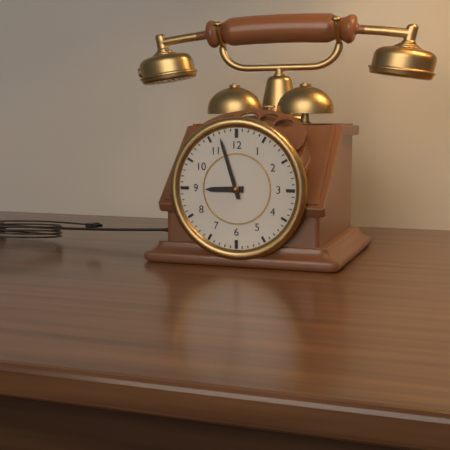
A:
**8:57**
